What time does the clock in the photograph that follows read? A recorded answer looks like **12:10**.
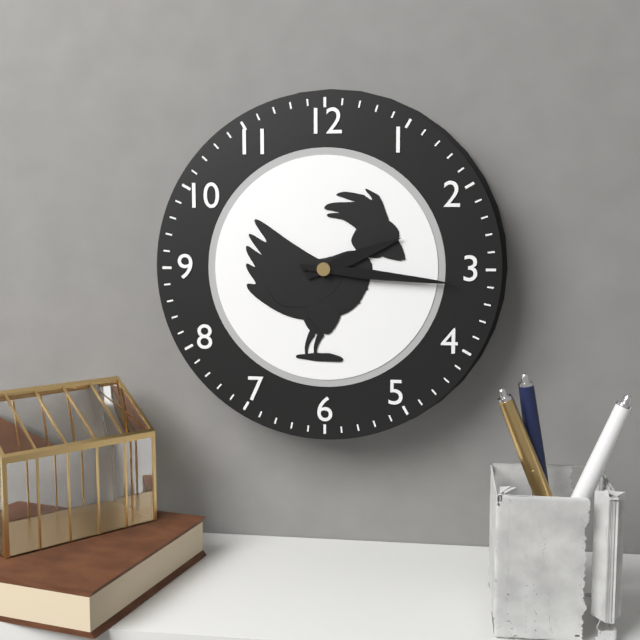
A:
**2:16**
